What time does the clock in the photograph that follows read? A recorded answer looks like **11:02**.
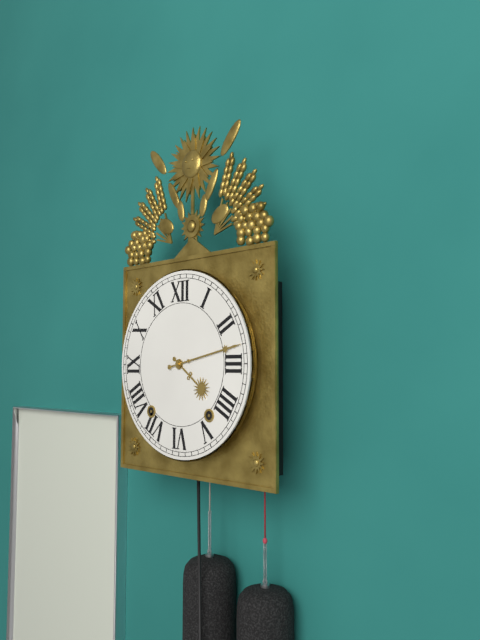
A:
**4:13**
